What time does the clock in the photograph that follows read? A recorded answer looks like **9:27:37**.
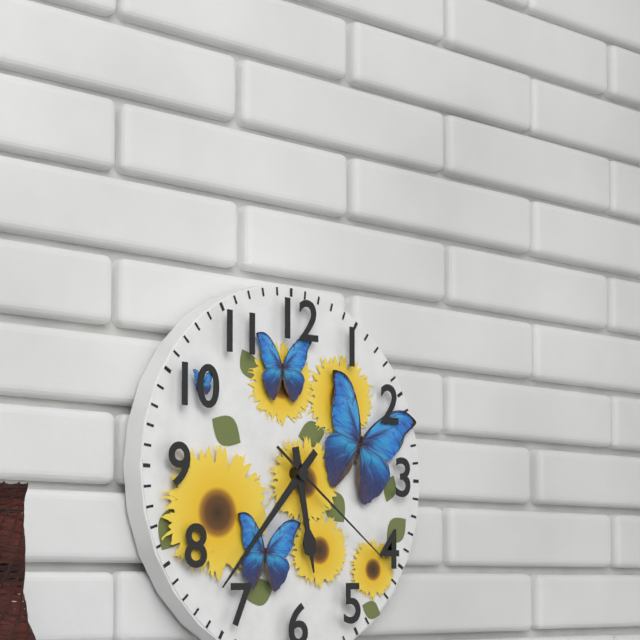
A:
**5:37:21**
